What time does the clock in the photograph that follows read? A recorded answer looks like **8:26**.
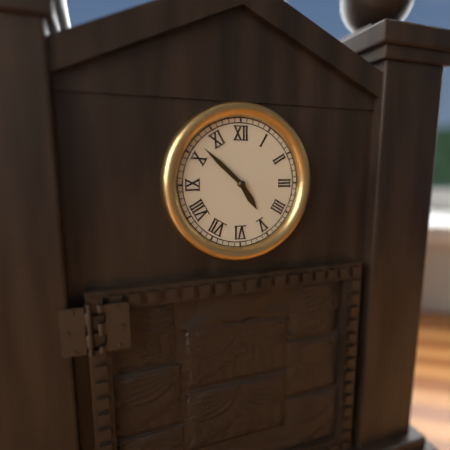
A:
**4:52**
